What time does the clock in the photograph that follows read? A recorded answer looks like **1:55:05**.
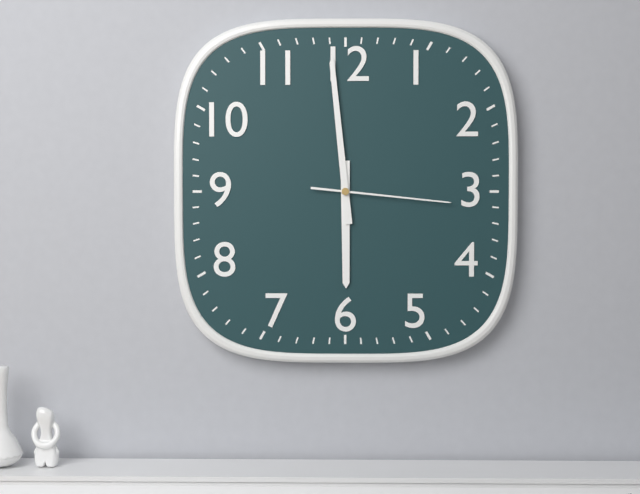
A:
**5:59:16**
